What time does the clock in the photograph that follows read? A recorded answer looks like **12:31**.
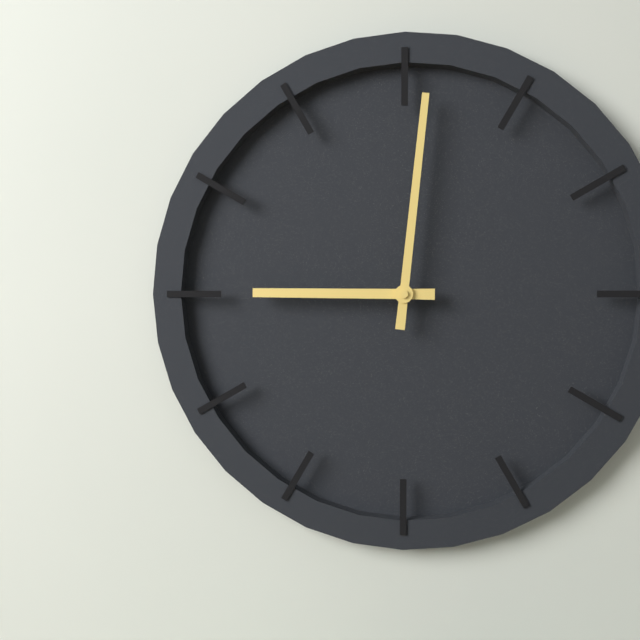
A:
**9:01**
